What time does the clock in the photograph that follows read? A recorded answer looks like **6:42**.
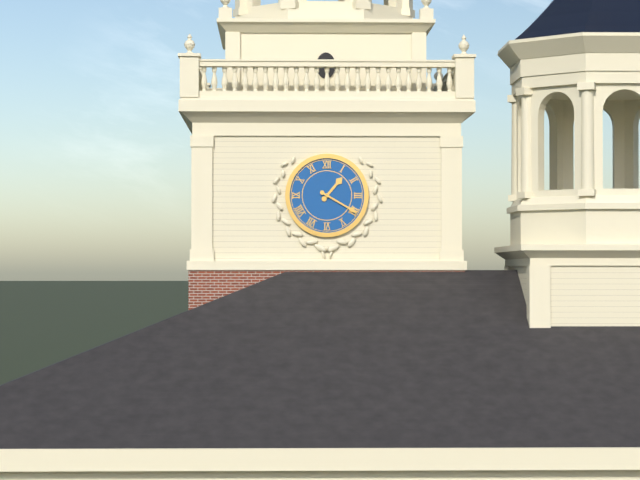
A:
**1:20**
